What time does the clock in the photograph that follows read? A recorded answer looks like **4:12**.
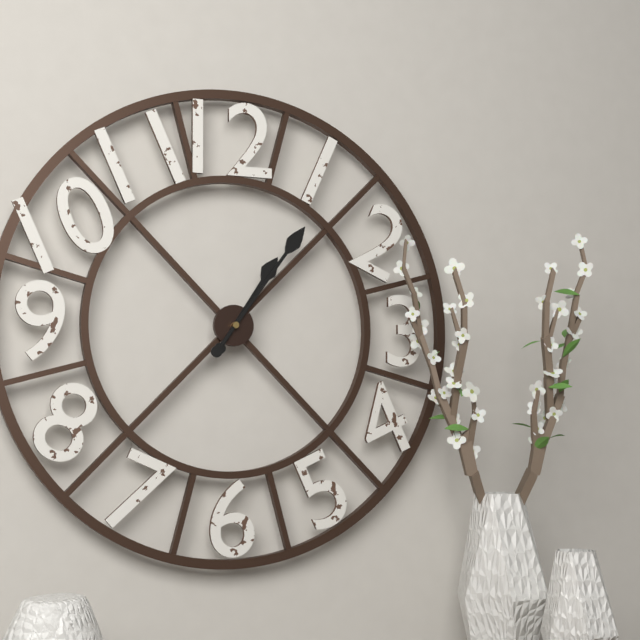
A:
**1:06**
